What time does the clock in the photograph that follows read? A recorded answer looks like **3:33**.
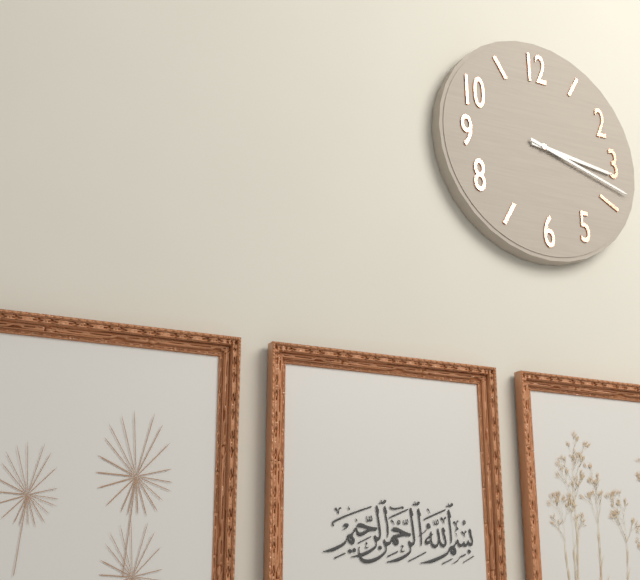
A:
**3:18**
